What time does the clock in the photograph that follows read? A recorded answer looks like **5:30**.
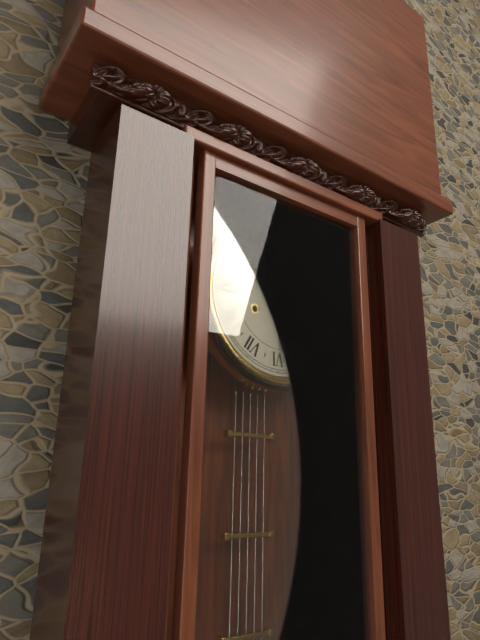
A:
**11:29**
